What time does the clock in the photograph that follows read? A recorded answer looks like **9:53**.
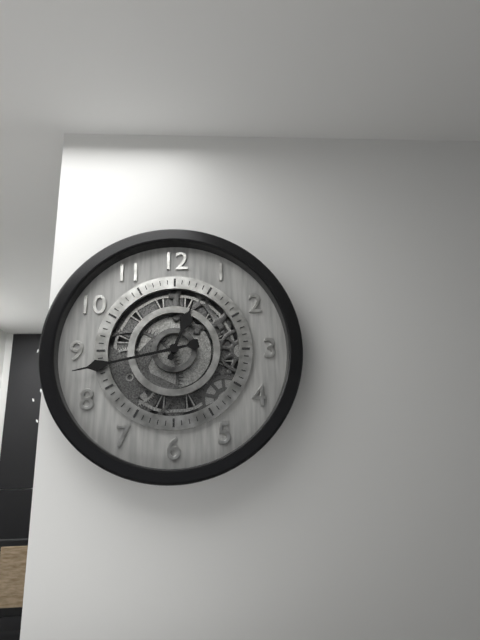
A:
**12:43**
